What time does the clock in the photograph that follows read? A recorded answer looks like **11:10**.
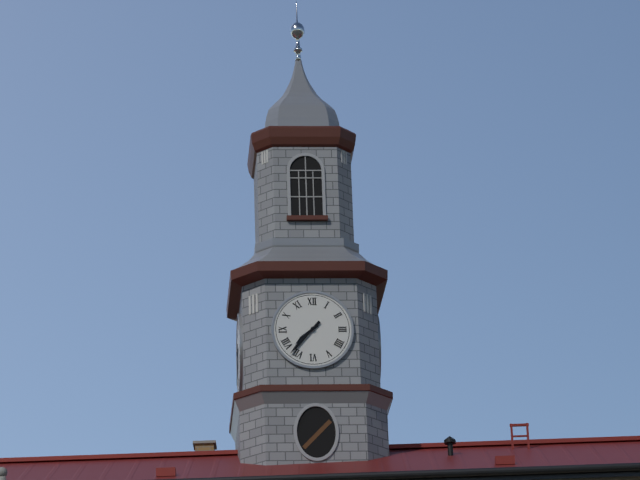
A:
**7:37**
